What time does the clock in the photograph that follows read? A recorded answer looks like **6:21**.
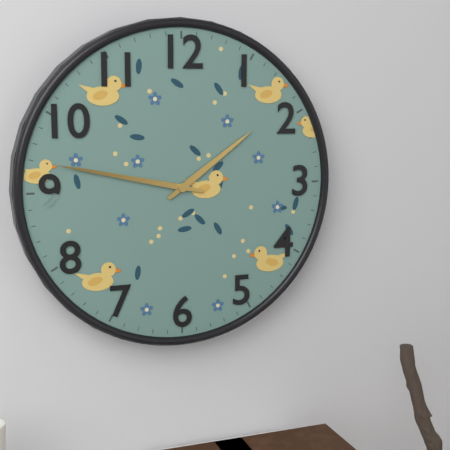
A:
**1:47**
